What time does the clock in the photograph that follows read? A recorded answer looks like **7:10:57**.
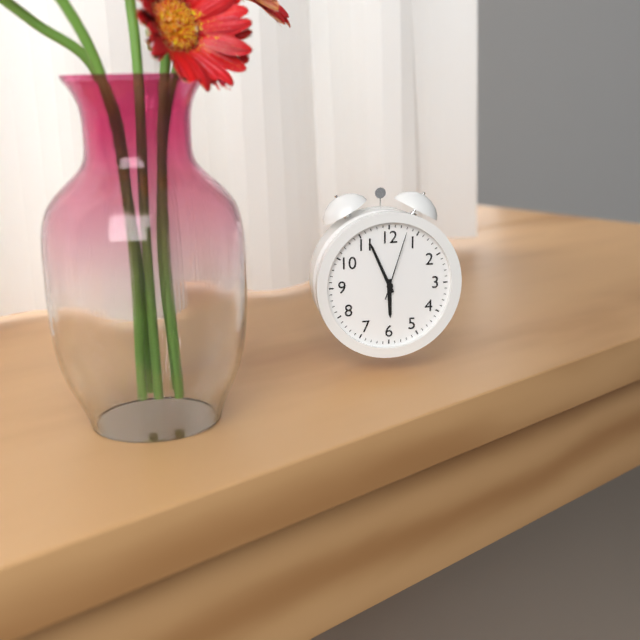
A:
**5:56:03**
